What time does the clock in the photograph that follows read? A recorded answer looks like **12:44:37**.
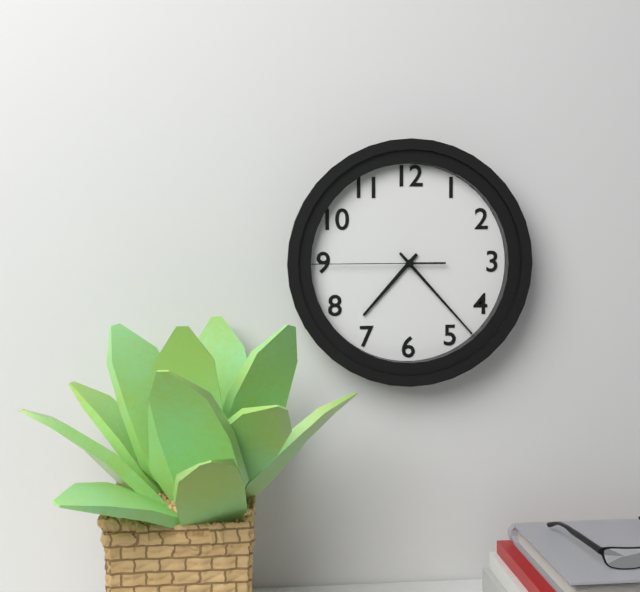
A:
**7:23:45**
